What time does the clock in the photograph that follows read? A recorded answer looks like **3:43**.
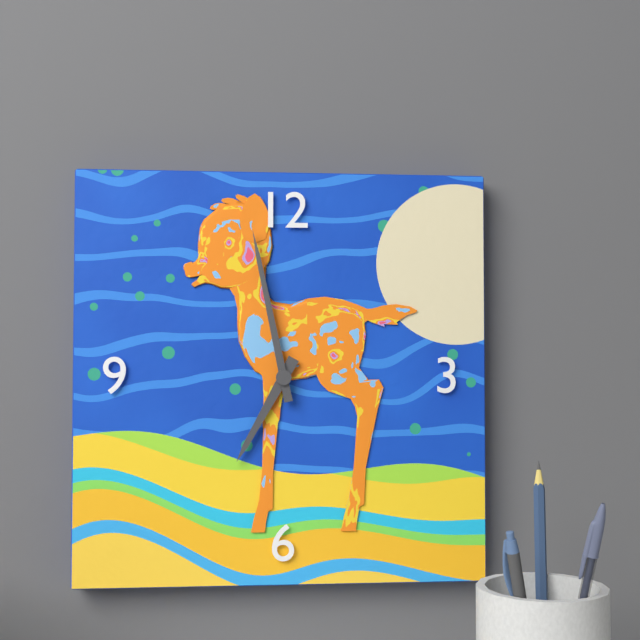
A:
**6:58**
